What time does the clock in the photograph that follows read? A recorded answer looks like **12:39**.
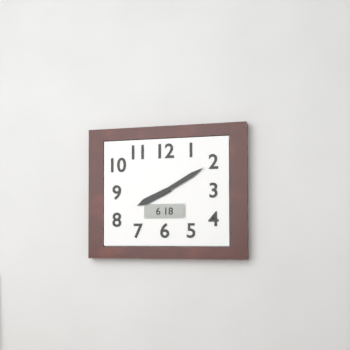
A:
**8:10**
